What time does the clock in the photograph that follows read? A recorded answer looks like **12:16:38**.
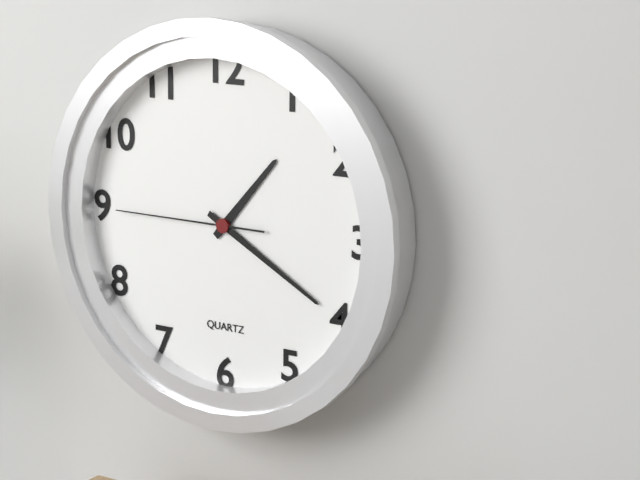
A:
**1:20:45**
